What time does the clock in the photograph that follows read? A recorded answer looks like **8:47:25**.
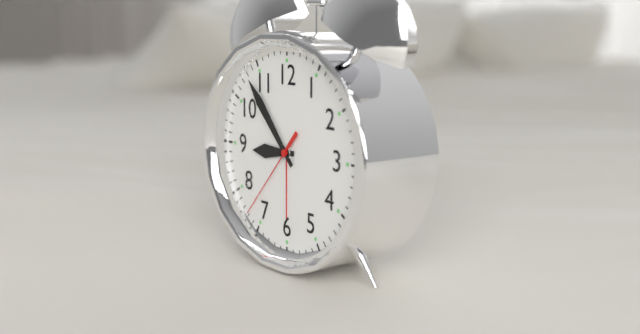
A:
**8:53:37**
